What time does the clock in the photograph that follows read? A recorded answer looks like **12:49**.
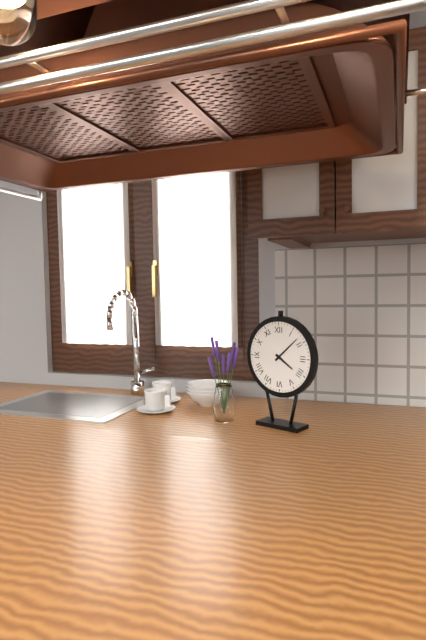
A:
**4:08**
